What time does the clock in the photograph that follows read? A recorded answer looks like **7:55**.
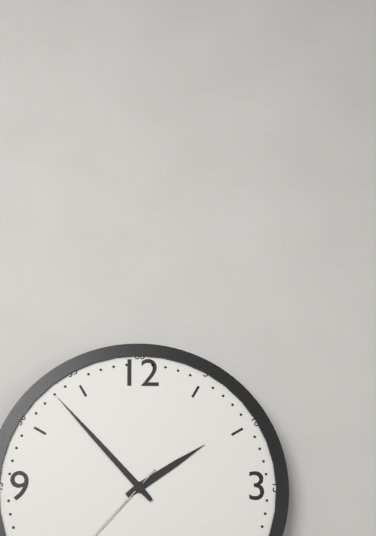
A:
**1:53**
